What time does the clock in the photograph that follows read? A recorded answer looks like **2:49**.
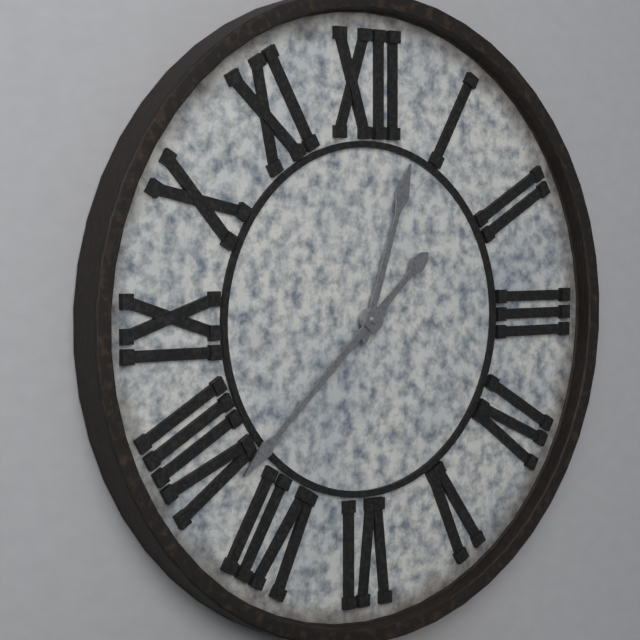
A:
**12:38**
